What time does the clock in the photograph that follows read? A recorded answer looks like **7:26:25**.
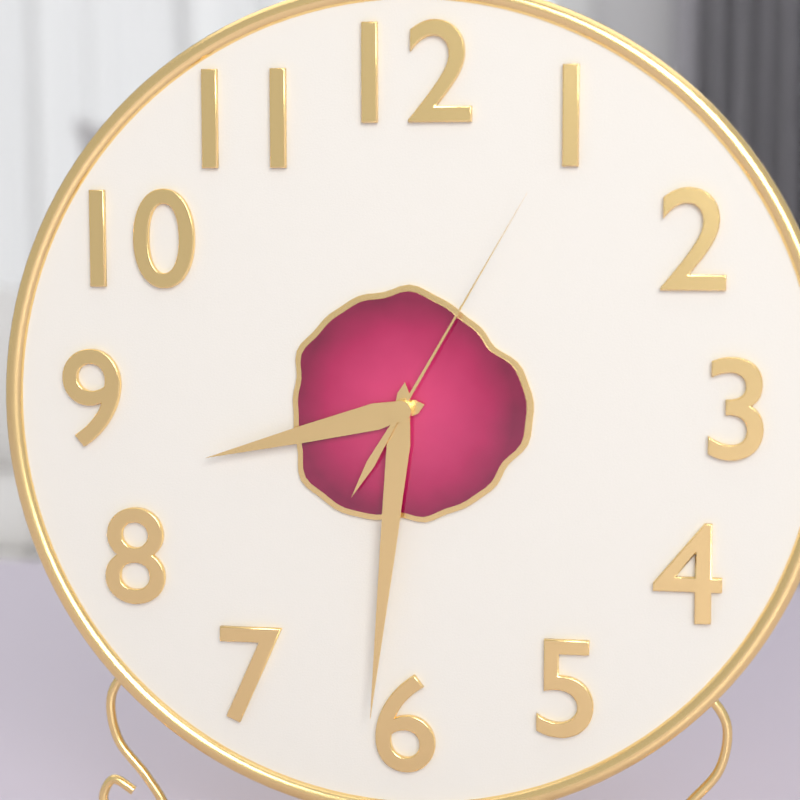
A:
**8:31:05**
